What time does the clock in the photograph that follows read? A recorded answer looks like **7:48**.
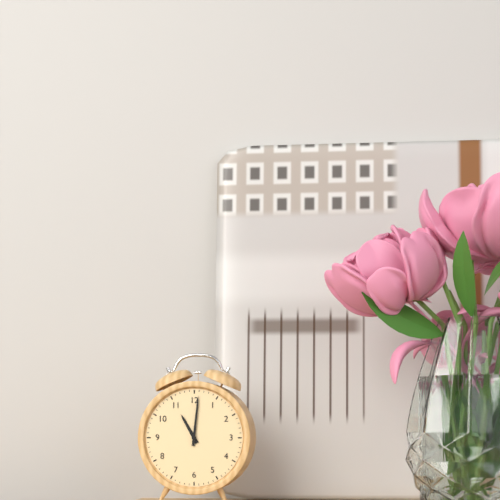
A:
**11:01**
